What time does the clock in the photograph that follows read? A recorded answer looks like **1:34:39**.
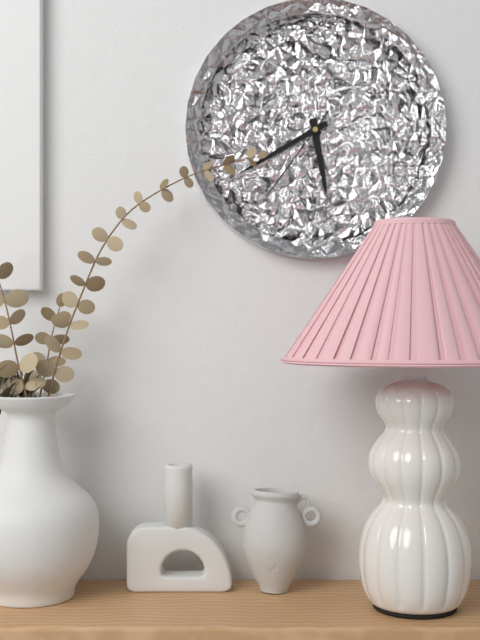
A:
**5:40:36**
